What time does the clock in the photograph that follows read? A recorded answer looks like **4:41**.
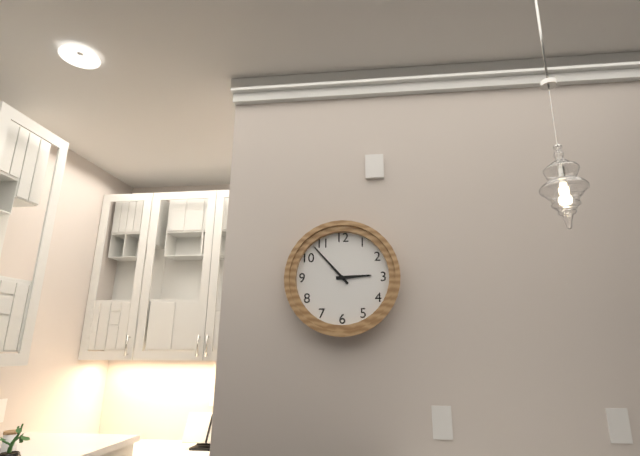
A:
**2:53**
